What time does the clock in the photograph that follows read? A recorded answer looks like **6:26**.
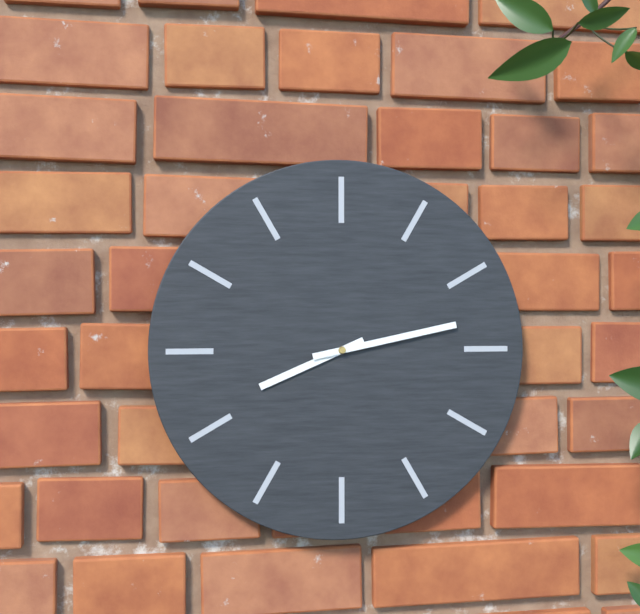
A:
**8:13**
